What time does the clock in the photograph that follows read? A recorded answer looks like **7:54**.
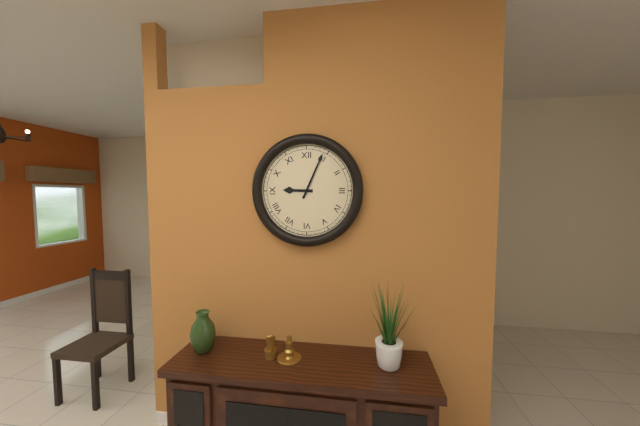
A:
**9:04**
